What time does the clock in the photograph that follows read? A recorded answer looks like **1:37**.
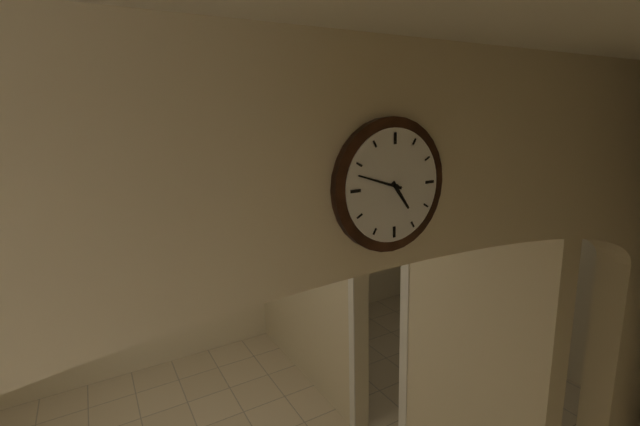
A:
**4:48**
